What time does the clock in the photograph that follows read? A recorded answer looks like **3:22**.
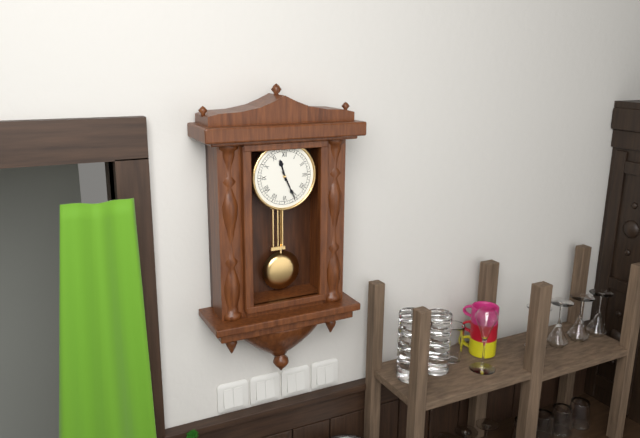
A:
**11:26**
